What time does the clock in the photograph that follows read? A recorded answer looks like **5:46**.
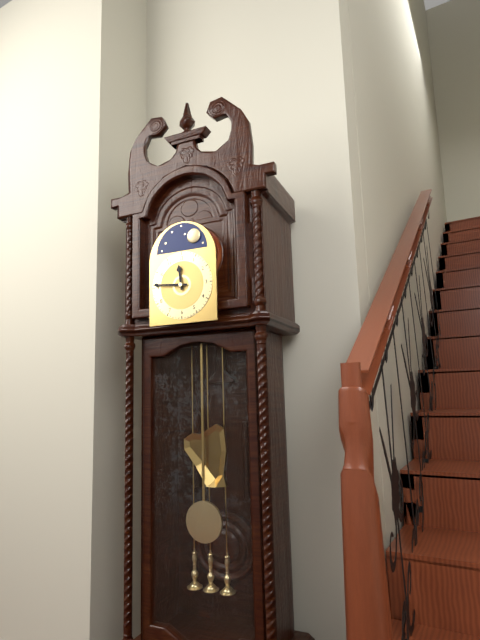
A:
**11:46**
